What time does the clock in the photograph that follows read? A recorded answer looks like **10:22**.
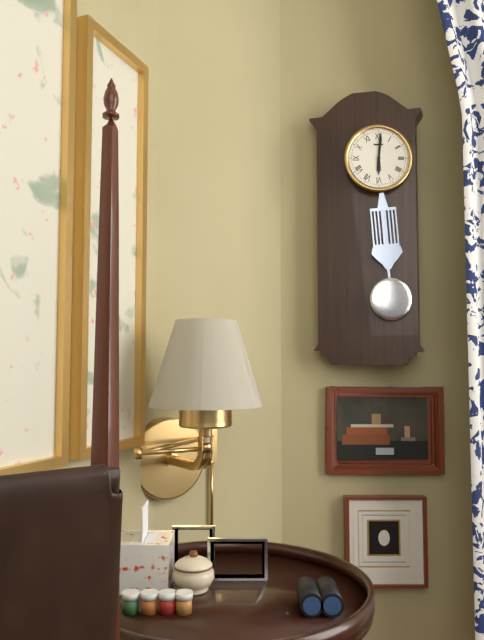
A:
**6:01**
